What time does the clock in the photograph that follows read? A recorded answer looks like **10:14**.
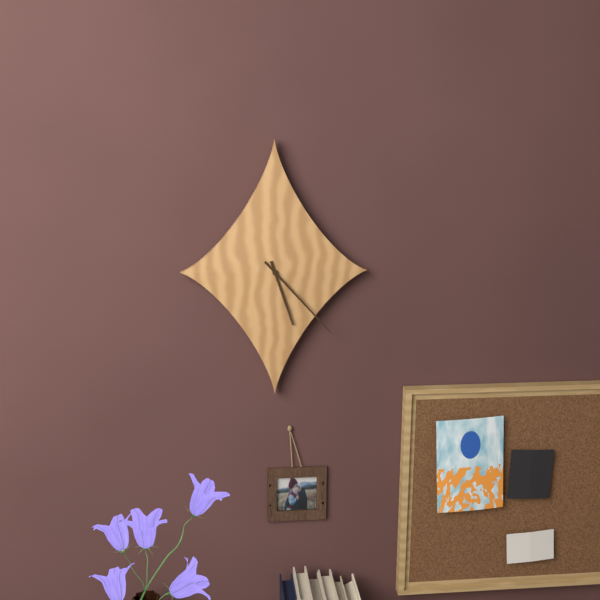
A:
**5:23**
